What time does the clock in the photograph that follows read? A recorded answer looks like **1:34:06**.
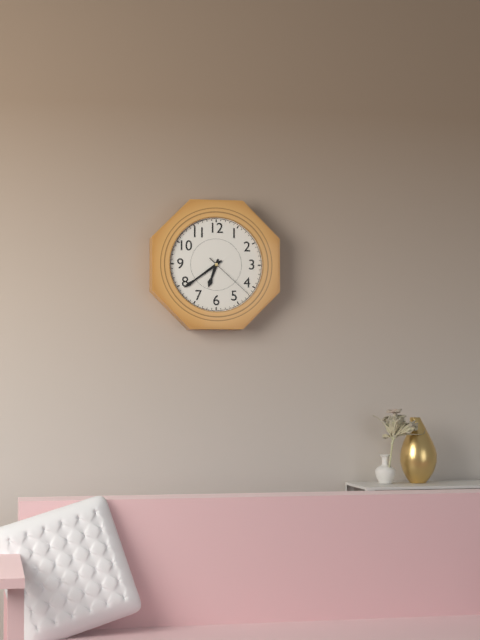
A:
**6:39:22**
